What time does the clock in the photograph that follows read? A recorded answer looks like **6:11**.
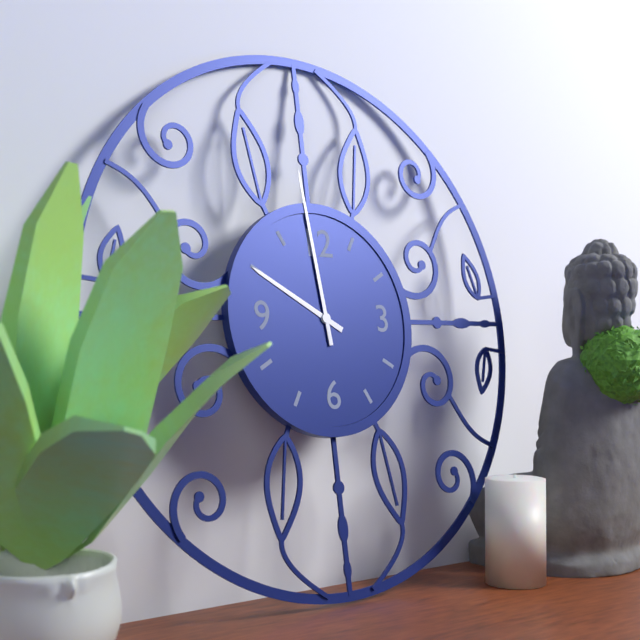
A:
**9:59**
